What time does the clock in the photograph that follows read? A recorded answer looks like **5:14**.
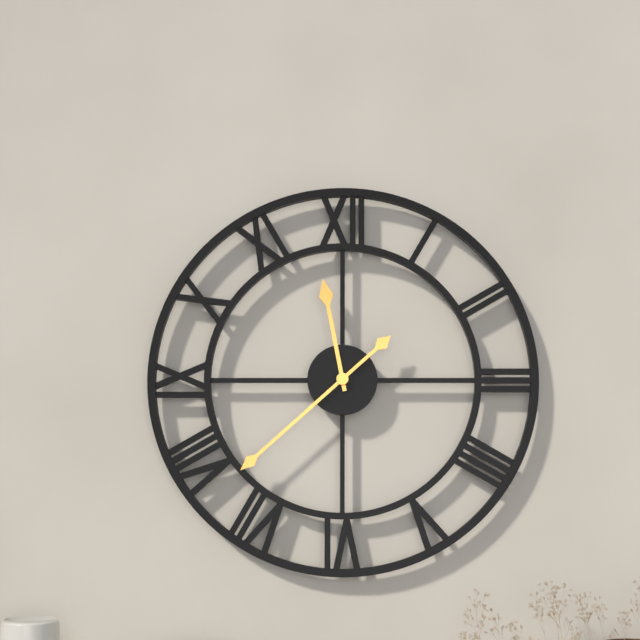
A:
**11:38**
